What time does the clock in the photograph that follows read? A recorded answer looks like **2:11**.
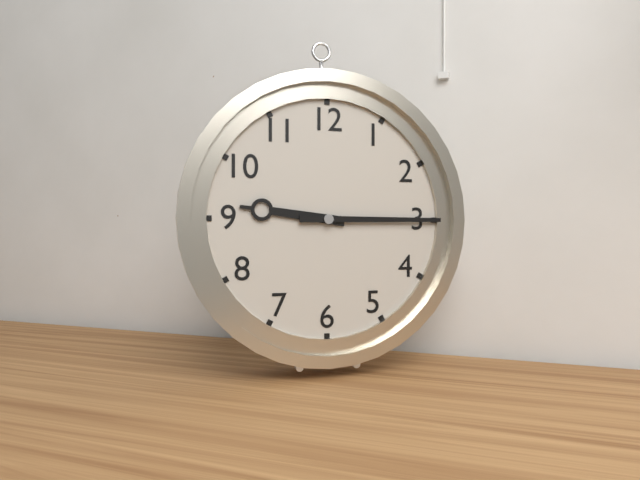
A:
**9:15**
